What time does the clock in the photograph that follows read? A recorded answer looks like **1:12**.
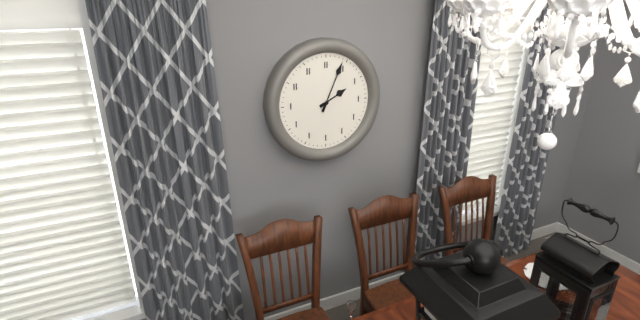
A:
**2:04**
